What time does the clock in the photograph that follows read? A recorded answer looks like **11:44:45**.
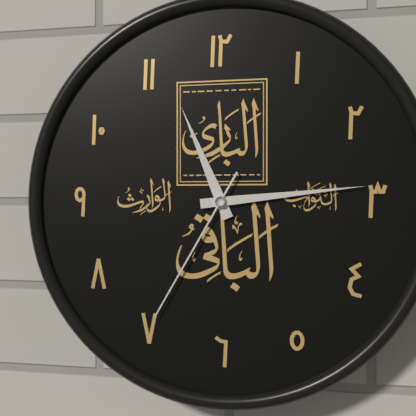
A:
**11:14:35**
